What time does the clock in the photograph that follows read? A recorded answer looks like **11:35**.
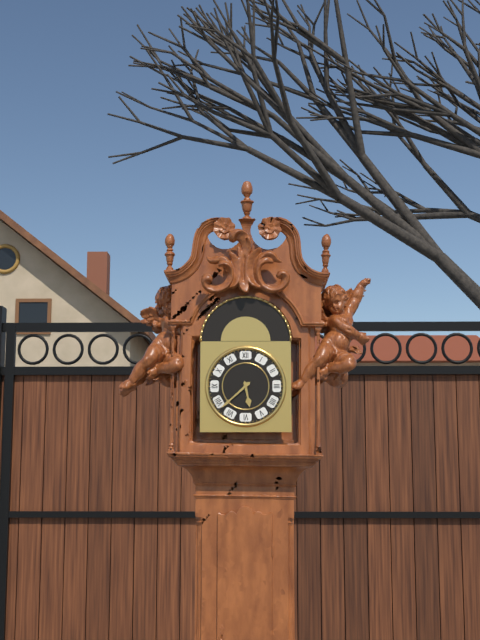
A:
**5:38**
